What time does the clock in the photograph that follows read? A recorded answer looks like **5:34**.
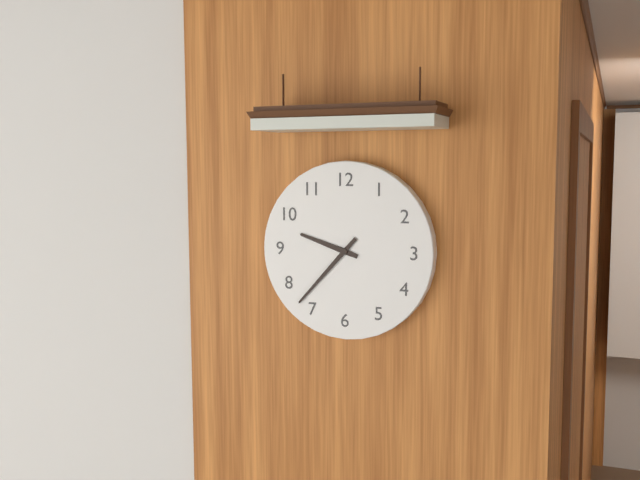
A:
**9:37**
